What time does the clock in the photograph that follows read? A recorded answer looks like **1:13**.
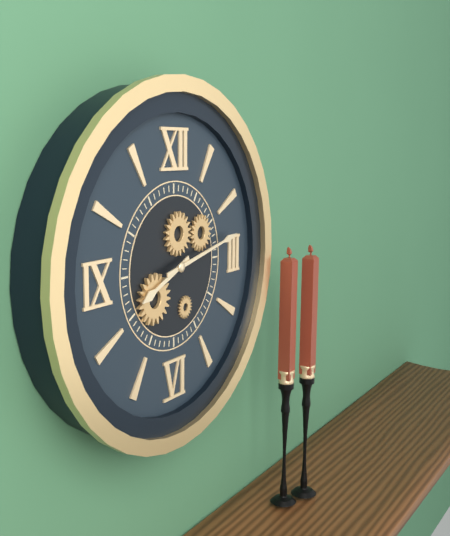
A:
**8:13**
